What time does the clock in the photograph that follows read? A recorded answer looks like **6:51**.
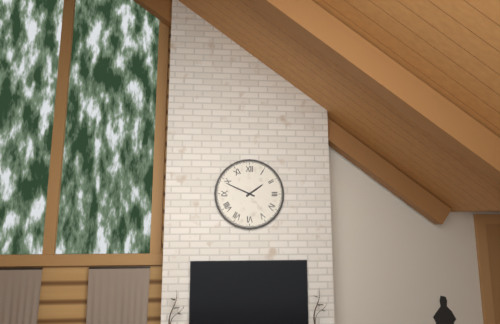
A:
**1:49**
